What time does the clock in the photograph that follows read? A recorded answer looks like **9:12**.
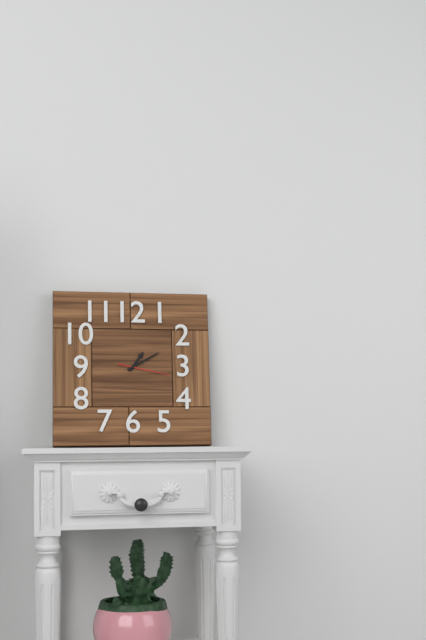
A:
**1:10**
